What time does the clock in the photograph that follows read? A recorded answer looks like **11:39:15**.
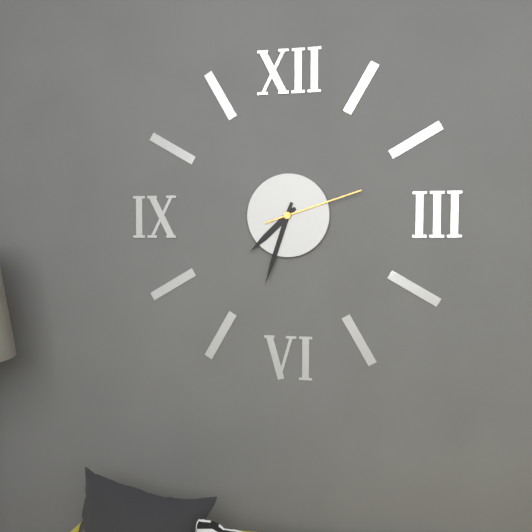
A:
**7:33:12**
